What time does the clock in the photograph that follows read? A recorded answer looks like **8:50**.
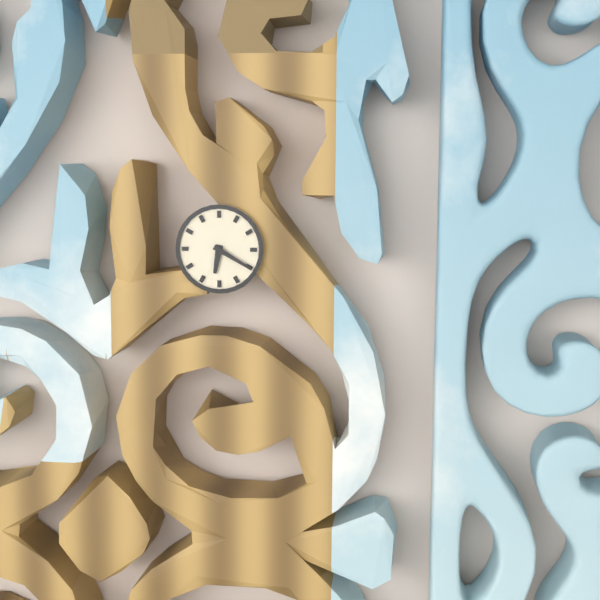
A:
**6:20**
